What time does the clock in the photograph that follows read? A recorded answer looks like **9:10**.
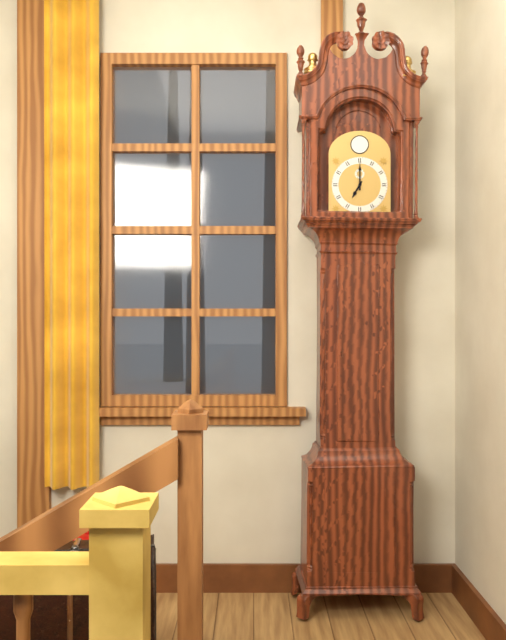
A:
**7:00**
